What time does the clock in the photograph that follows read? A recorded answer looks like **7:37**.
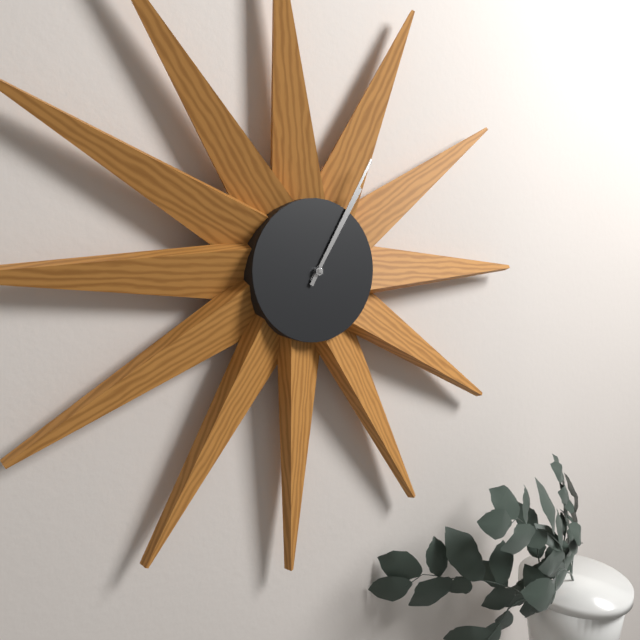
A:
**1:05**
